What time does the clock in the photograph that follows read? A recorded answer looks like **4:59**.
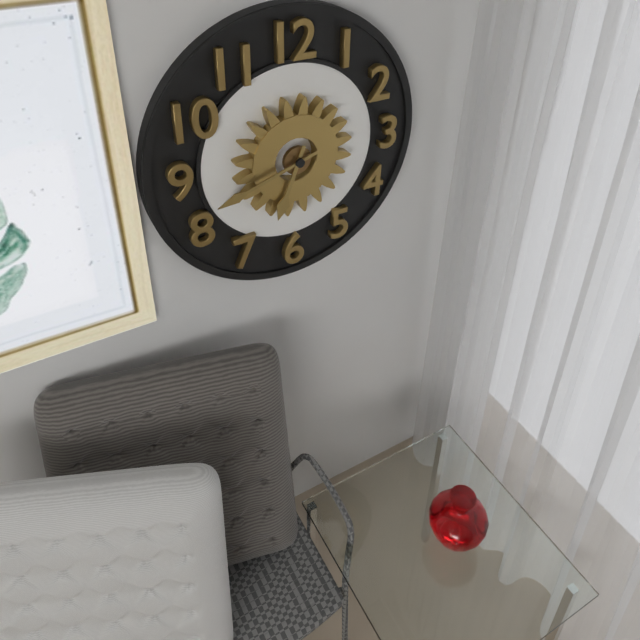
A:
**6:42**
